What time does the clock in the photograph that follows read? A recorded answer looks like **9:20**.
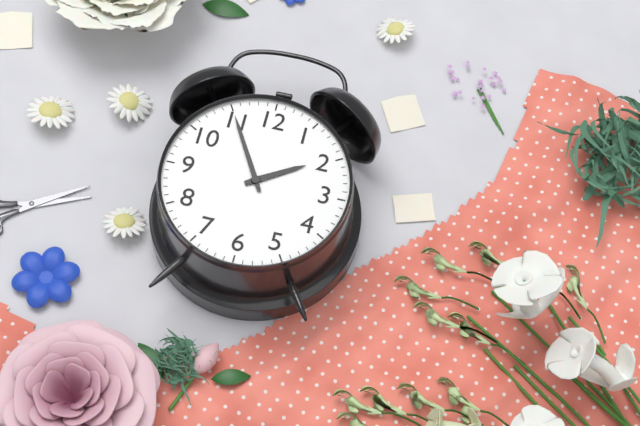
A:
**1:55**
